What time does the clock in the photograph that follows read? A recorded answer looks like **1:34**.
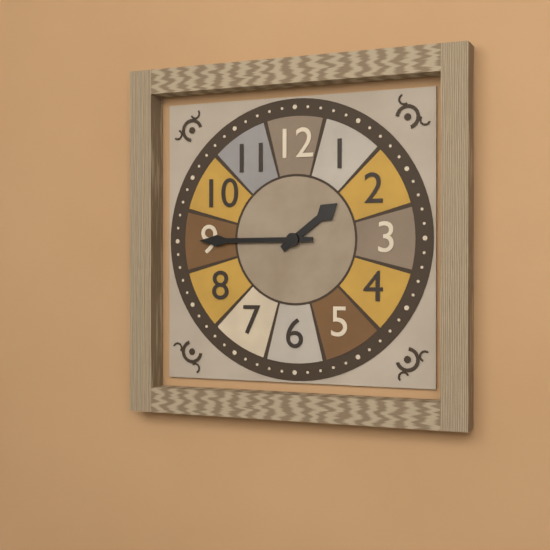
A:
**1:45**
